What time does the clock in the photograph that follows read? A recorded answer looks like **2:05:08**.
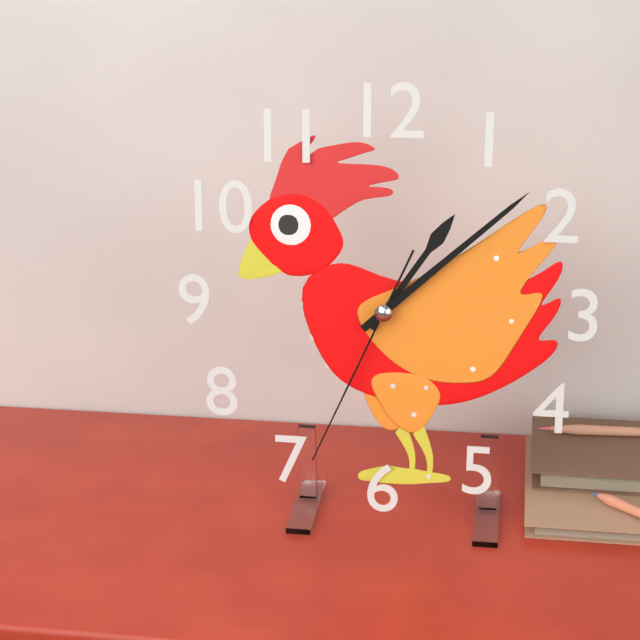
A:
**1:08:34**
